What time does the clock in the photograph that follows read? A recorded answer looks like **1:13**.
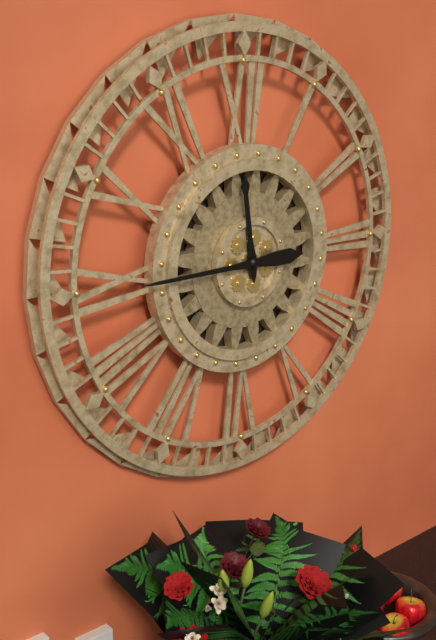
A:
**11:45**
